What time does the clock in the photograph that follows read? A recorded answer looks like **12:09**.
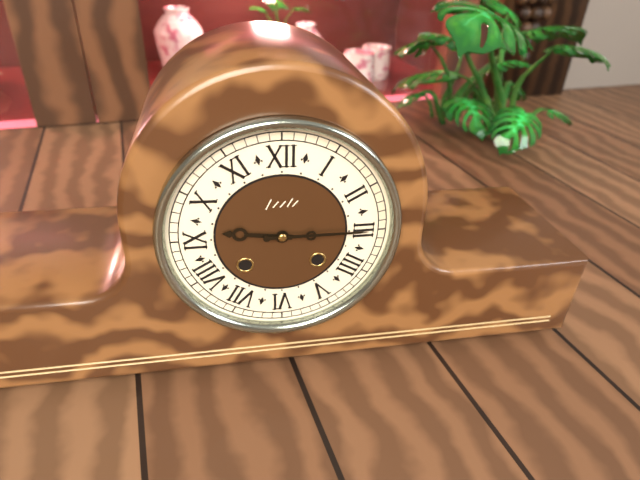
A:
**9:15**
